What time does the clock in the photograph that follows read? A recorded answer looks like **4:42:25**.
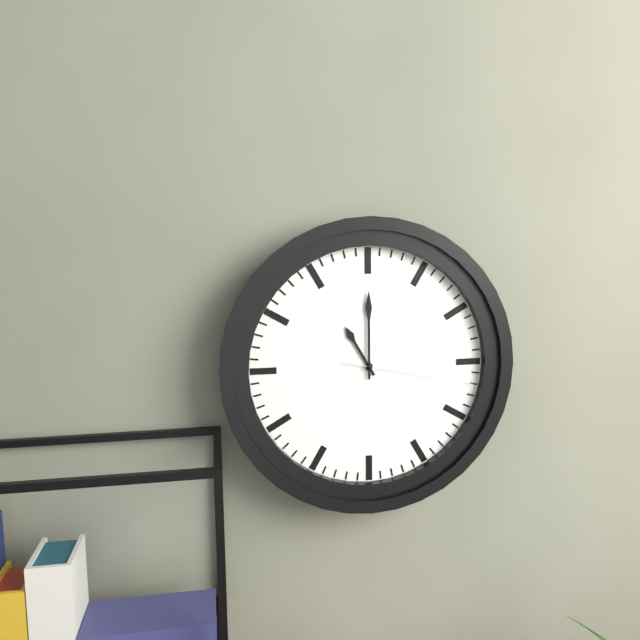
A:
**11:00:17**
